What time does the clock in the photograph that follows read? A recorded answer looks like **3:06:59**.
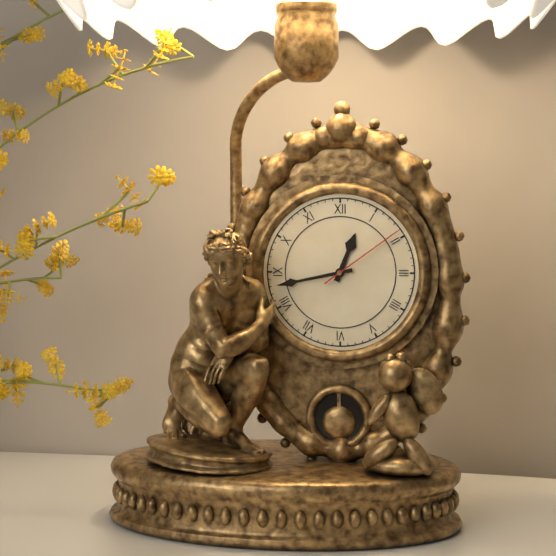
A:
**12:43:09**
